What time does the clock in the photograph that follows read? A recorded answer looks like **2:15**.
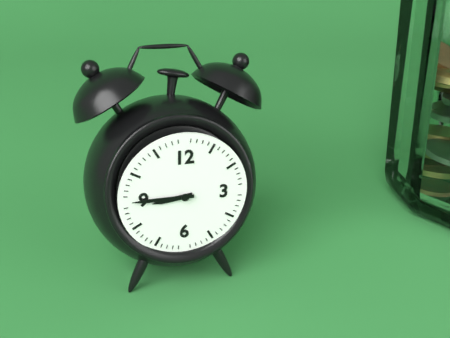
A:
**8:45**
